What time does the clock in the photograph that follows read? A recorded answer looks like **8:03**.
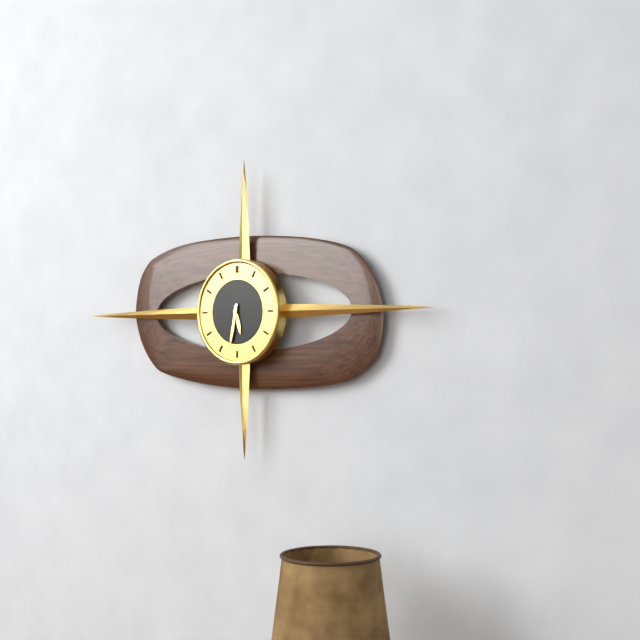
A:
**5:32**
